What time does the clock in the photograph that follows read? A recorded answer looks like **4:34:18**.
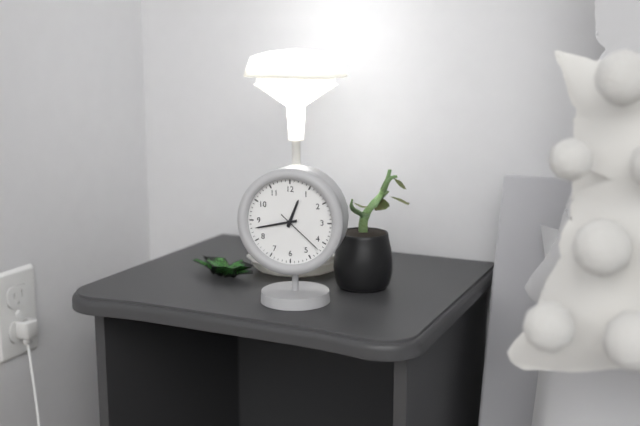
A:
**12:43:22**
